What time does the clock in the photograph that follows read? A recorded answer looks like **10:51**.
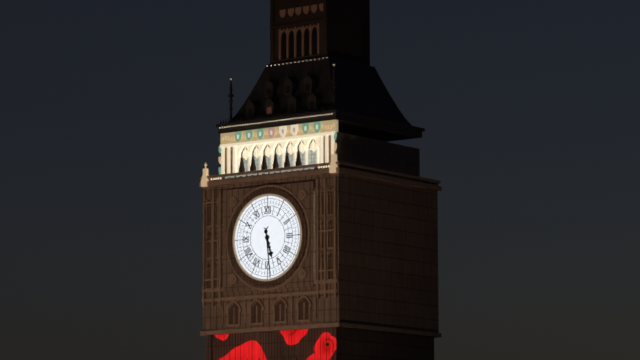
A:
**5:29**
